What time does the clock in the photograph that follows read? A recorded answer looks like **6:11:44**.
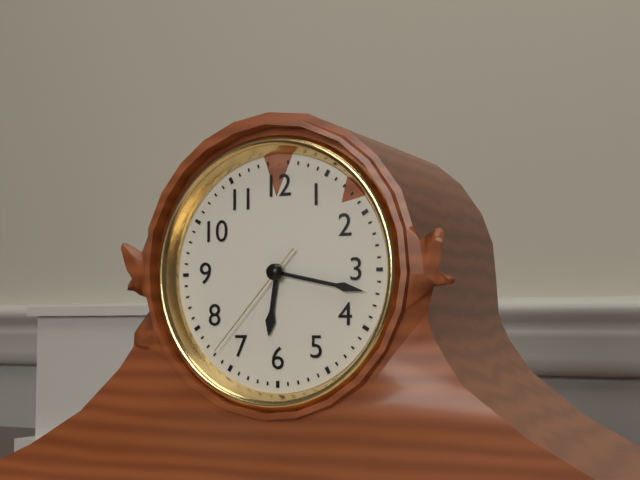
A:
**6:17:37**
